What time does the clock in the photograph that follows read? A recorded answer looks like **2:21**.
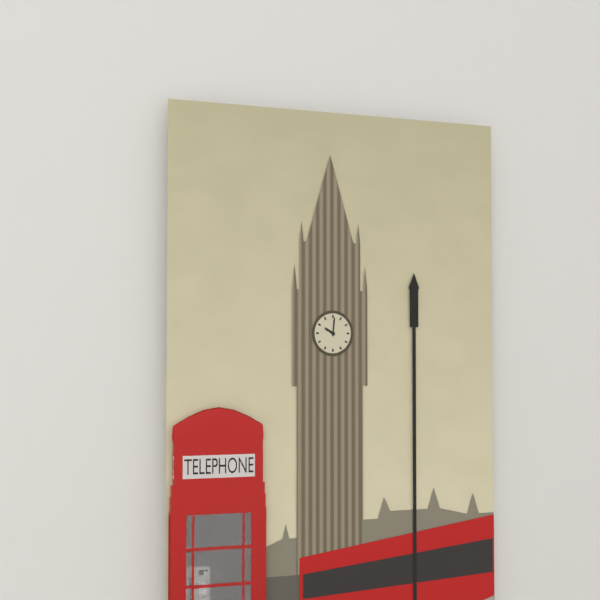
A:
**10:01**
